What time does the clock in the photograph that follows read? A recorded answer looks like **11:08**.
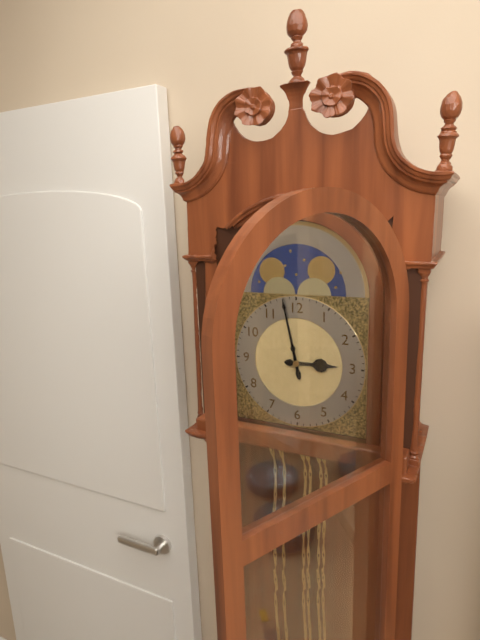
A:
**2:58**
